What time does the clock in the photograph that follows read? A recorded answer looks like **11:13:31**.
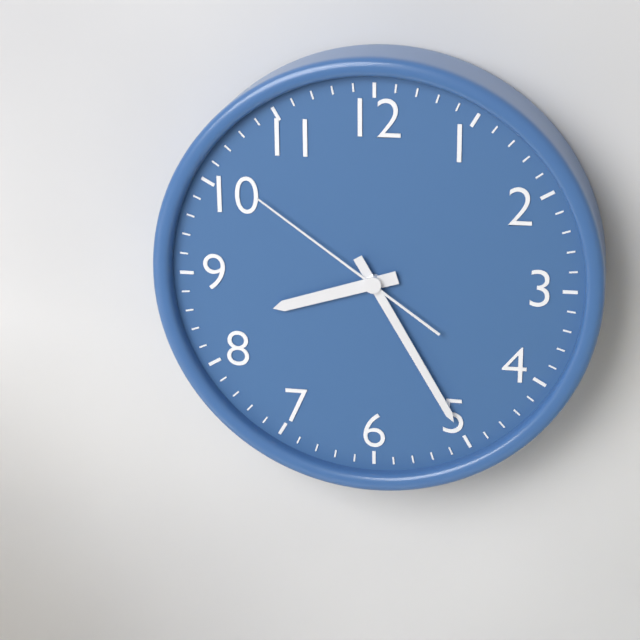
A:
**8:25:51**
